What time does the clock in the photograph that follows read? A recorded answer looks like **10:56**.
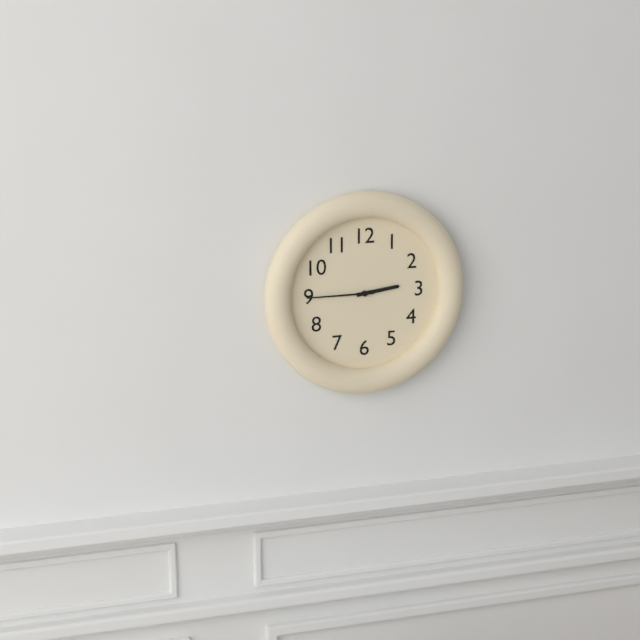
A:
**2:45**
